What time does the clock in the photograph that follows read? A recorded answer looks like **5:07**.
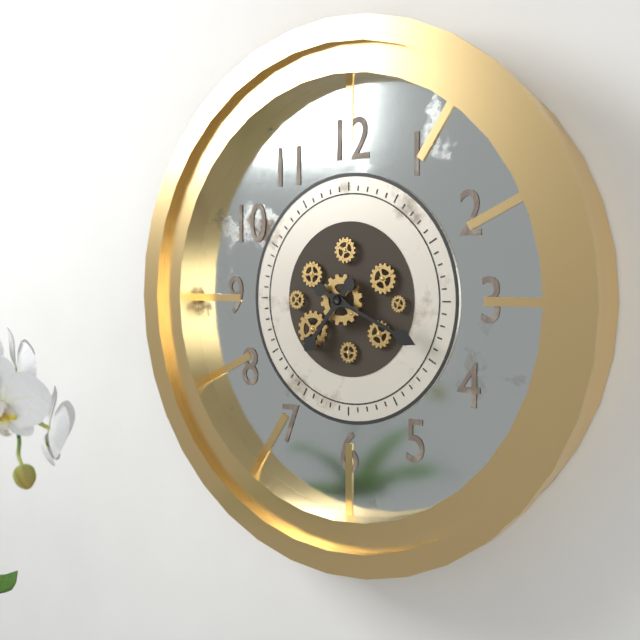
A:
**7:19**
